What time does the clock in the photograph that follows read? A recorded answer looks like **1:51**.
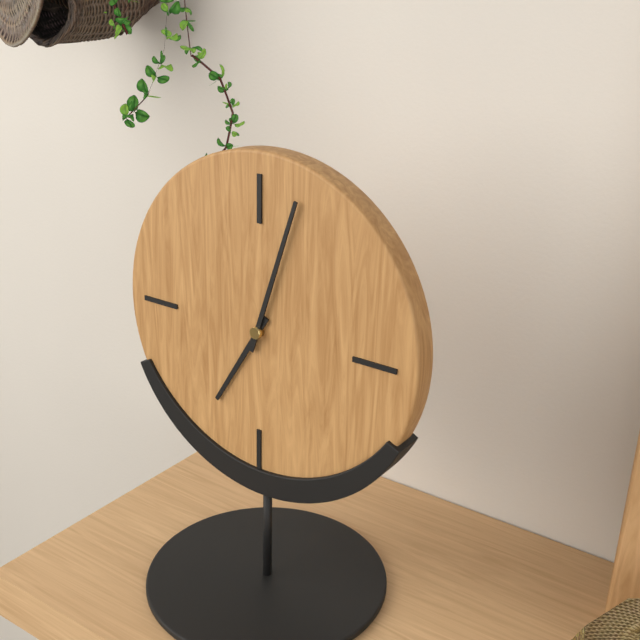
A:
**7:03**
